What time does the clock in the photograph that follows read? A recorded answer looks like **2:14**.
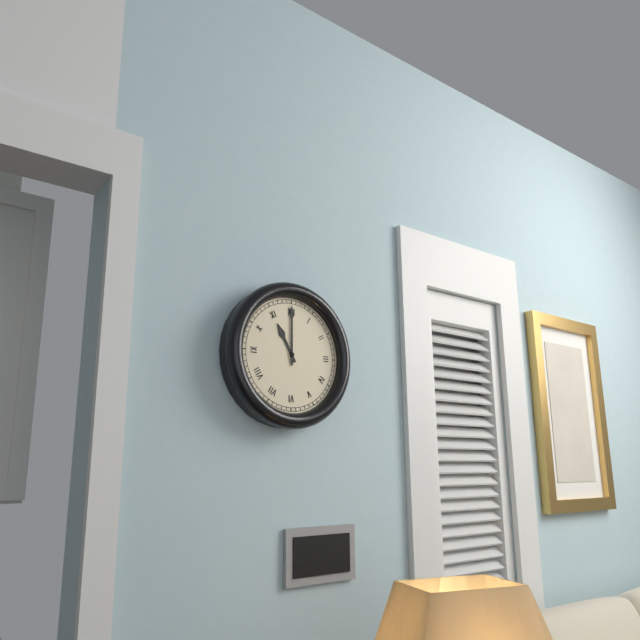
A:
**11:00**
